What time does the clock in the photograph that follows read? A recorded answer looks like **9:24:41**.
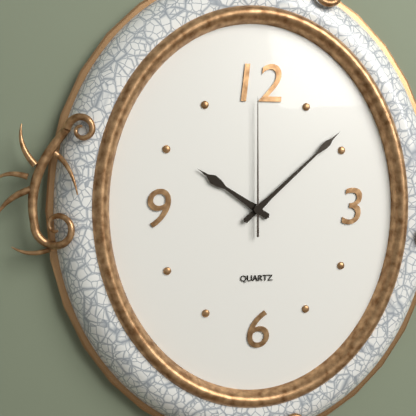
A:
**10:08:00**
